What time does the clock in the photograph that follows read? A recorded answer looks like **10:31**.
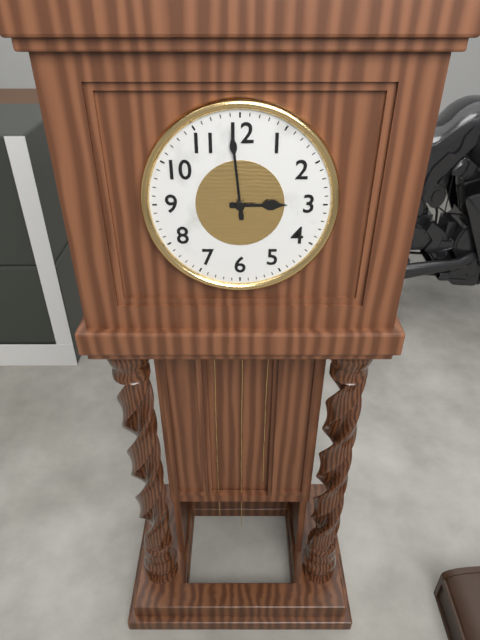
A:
**2:59**
